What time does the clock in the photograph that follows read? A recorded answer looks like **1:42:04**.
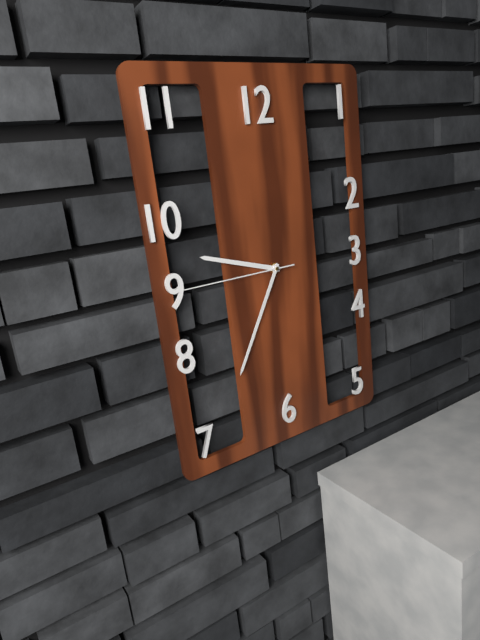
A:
**9:35:45**
